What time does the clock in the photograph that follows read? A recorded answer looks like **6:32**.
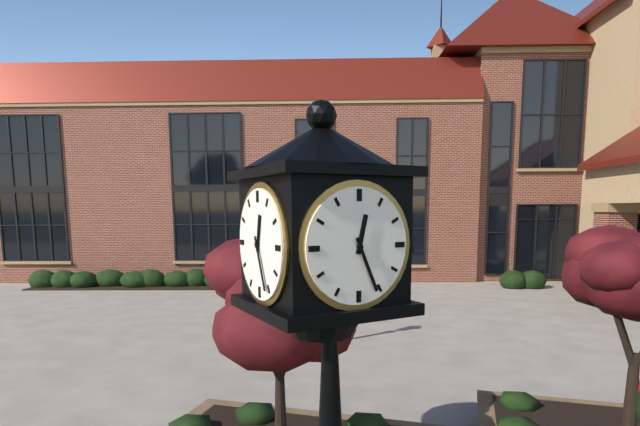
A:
**12:26**
